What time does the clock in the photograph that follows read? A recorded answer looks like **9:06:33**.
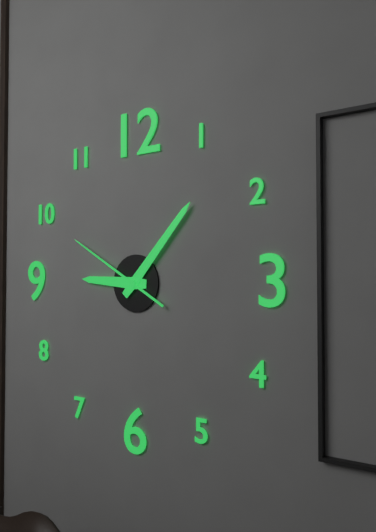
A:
**9:07:50**
